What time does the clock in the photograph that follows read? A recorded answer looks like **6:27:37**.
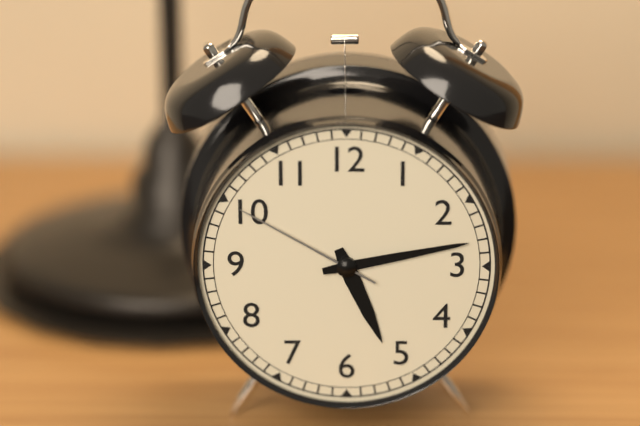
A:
**5:13:50**
